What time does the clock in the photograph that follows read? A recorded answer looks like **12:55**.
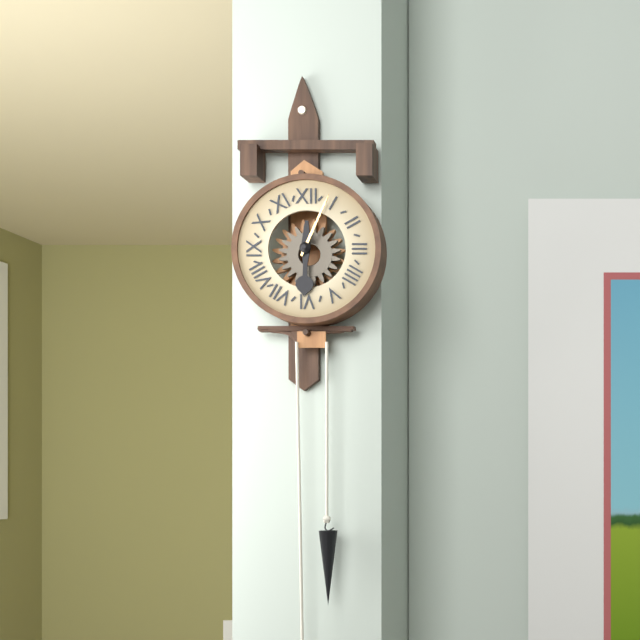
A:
**6:04**
